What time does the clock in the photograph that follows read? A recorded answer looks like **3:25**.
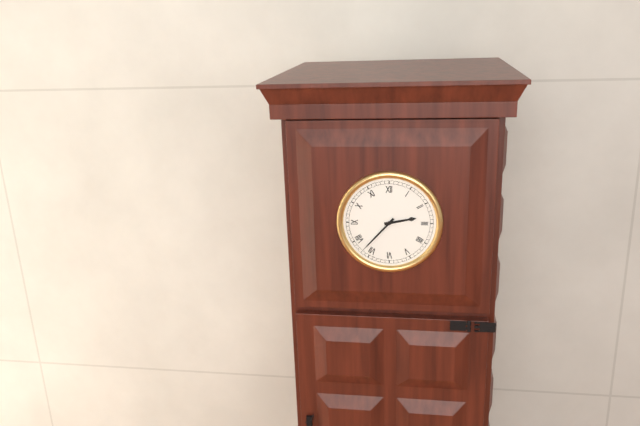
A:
**2:37**
